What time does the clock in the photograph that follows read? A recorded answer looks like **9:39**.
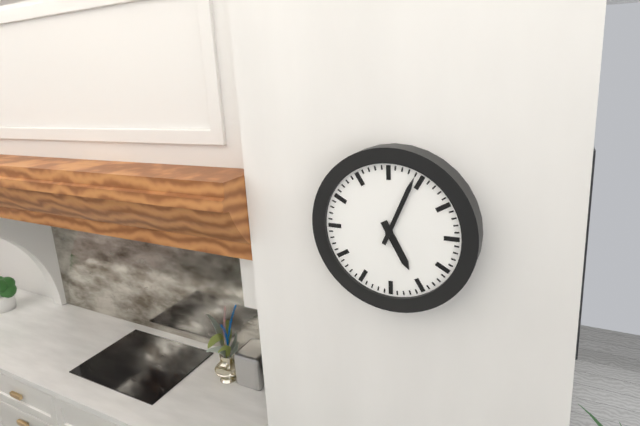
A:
**5:04**
